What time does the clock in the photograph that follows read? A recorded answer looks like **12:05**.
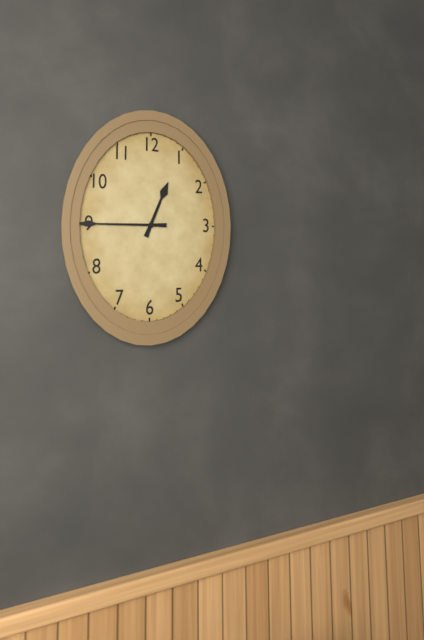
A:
**12:45**
